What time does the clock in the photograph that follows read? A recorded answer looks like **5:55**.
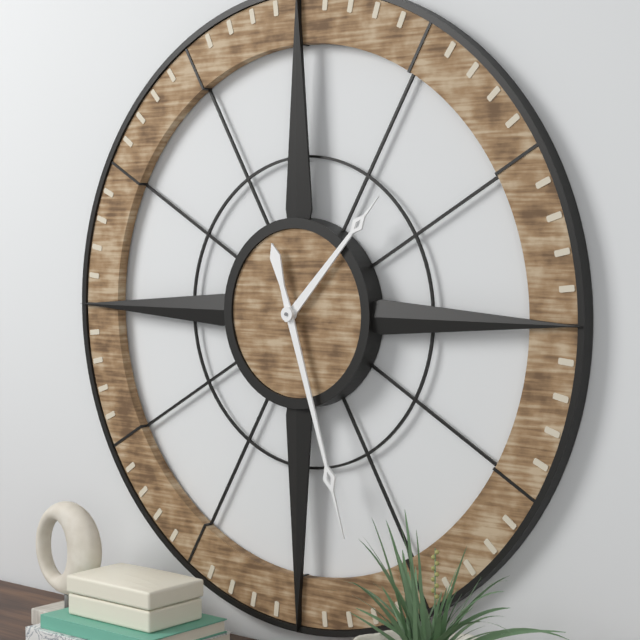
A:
**1:27**
